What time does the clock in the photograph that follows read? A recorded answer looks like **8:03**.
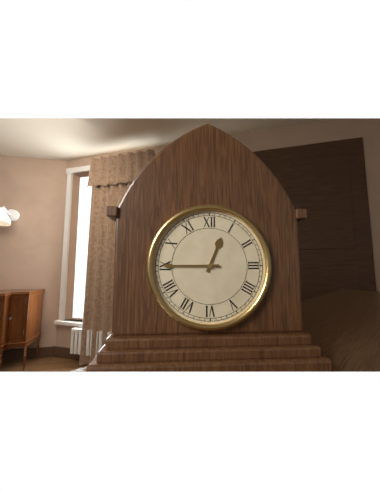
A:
**12:45**
